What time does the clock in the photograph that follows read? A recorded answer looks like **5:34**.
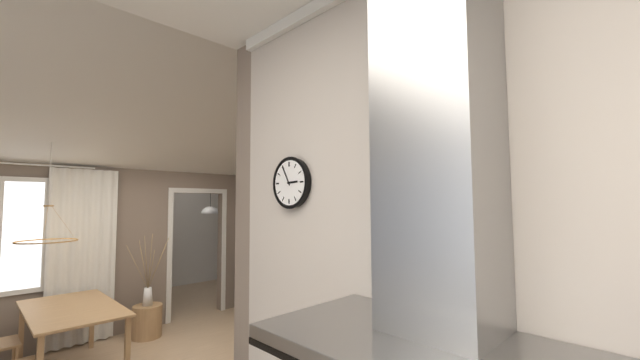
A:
**2:55**
